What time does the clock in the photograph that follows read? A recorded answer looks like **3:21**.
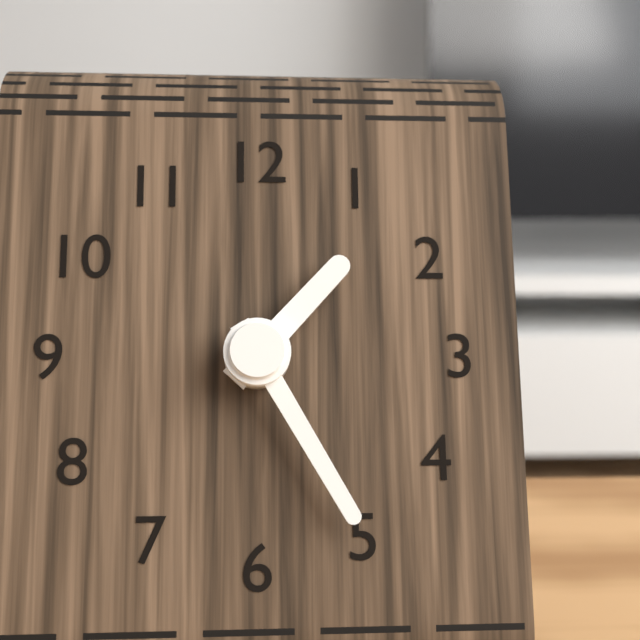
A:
**1:25**
